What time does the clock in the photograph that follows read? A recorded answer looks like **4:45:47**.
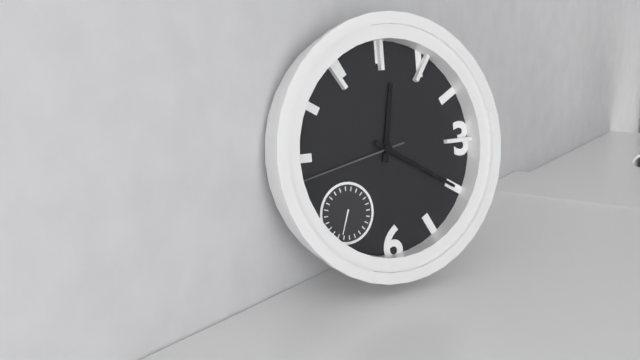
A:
**12:20:43**
